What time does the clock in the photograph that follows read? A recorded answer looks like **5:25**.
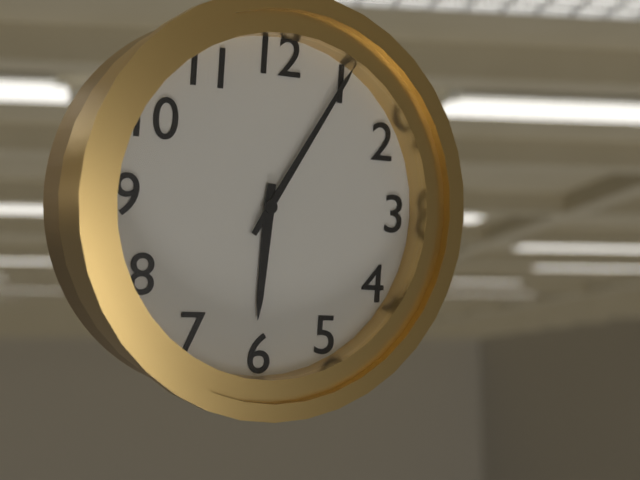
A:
**6:05**
